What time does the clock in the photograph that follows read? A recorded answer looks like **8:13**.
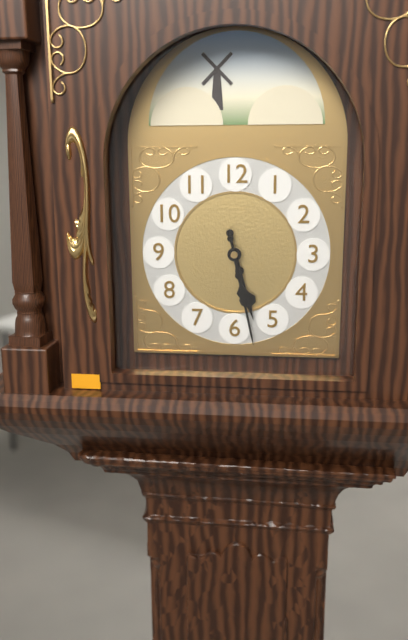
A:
**5:28**
